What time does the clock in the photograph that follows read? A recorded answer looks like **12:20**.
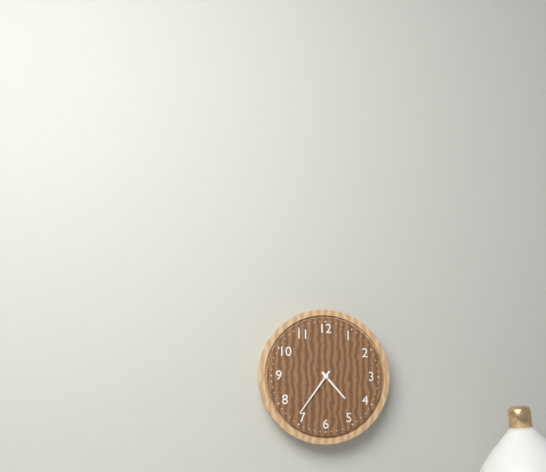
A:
**4:36**
